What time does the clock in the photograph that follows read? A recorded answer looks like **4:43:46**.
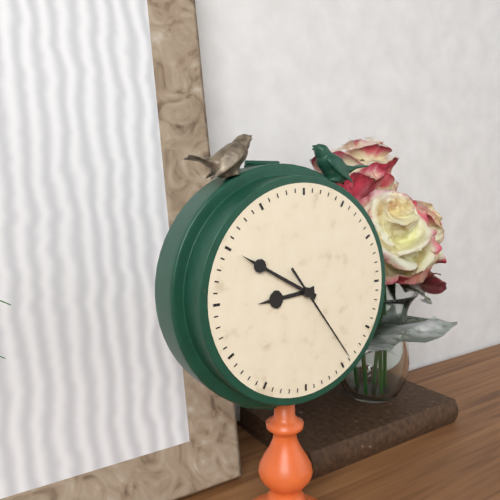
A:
**8:50:24**
